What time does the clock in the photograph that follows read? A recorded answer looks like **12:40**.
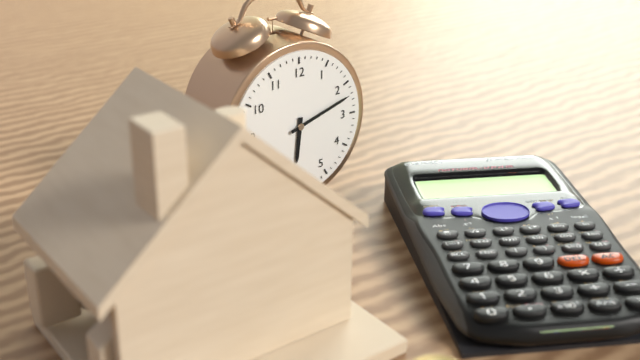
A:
**6:12**
